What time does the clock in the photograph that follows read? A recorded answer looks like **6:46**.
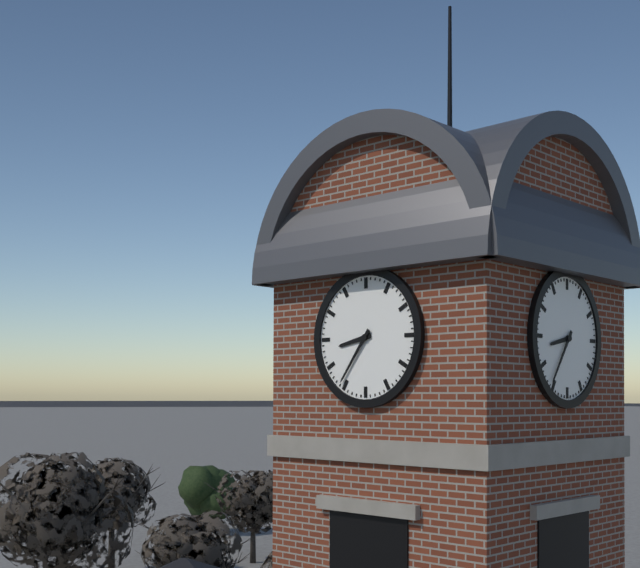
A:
**8:36**
